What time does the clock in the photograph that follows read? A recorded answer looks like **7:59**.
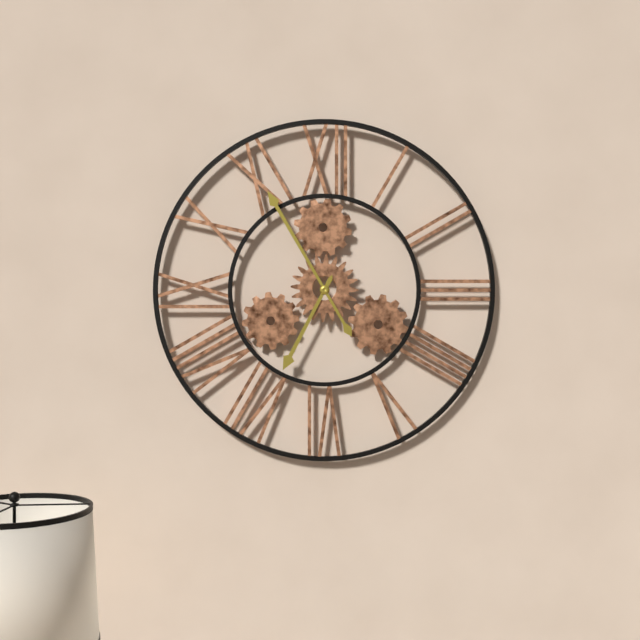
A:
**6:55**
